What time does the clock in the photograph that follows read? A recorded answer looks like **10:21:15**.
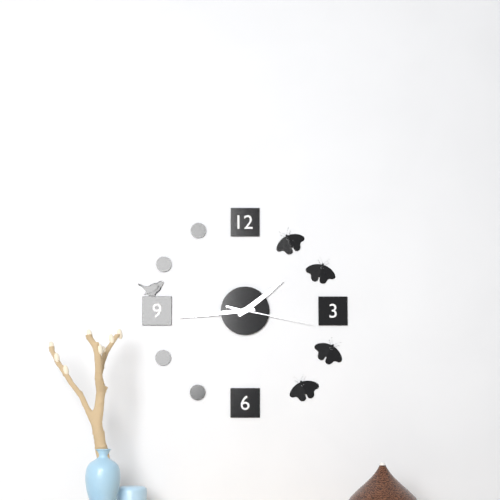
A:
**1:44:17**
